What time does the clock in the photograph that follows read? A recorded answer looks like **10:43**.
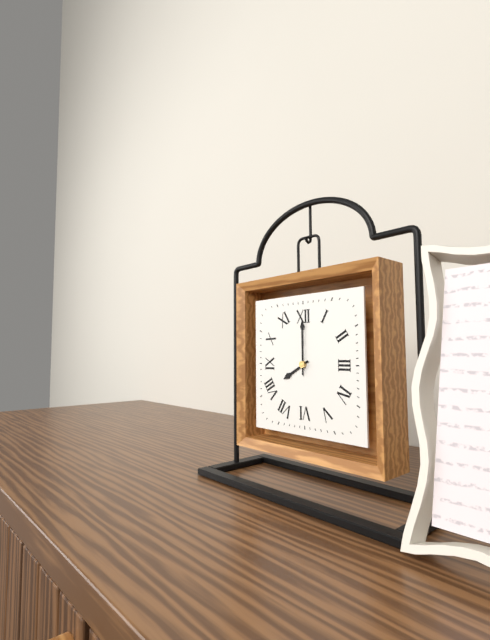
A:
**8:00**
